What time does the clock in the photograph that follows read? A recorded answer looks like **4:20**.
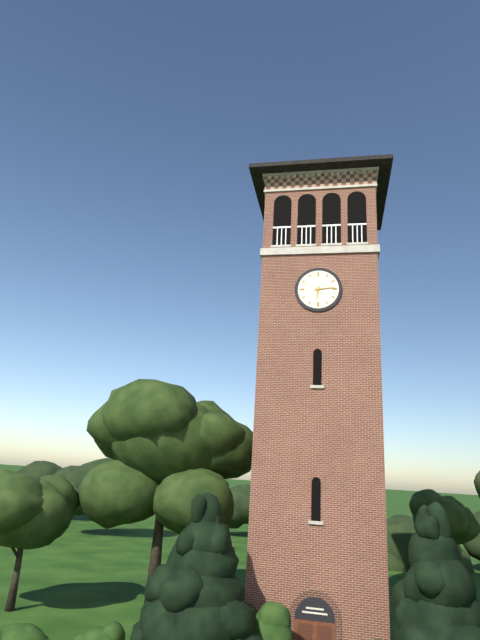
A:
**6:14**
